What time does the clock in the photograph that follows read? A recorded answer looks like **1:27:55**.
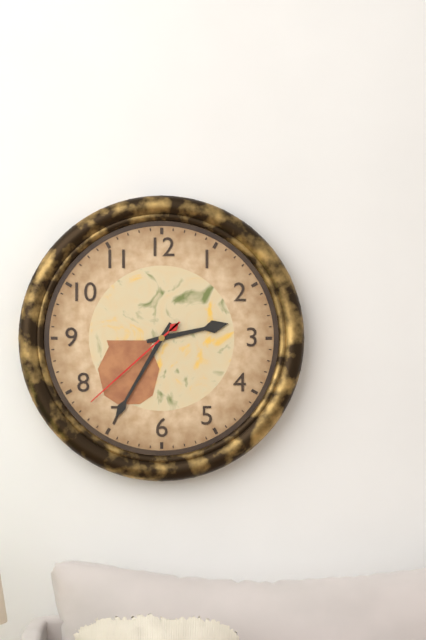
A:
**2:35:38**
